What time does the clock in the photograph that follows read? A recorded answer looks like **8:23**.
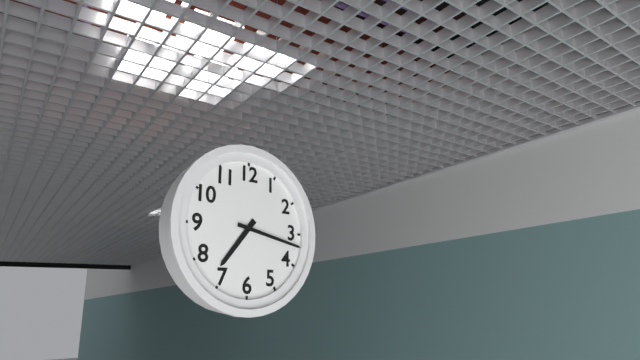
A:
**7:17**
